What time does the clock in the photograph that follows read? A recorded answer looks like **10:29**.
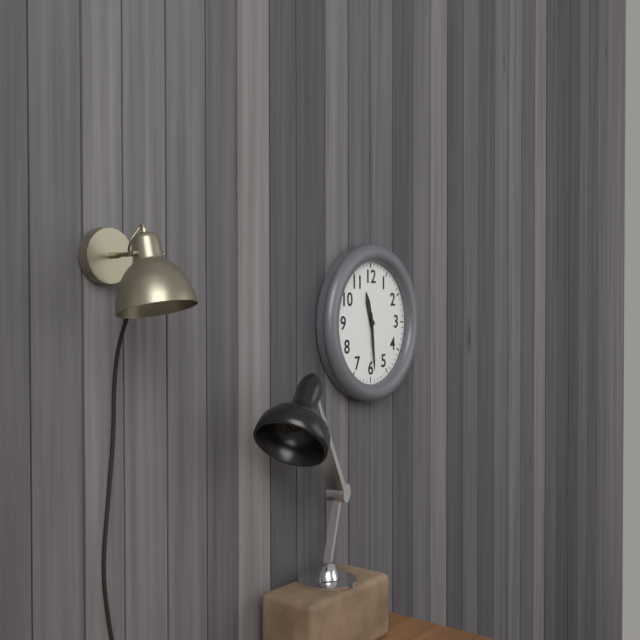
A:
**11:29**
